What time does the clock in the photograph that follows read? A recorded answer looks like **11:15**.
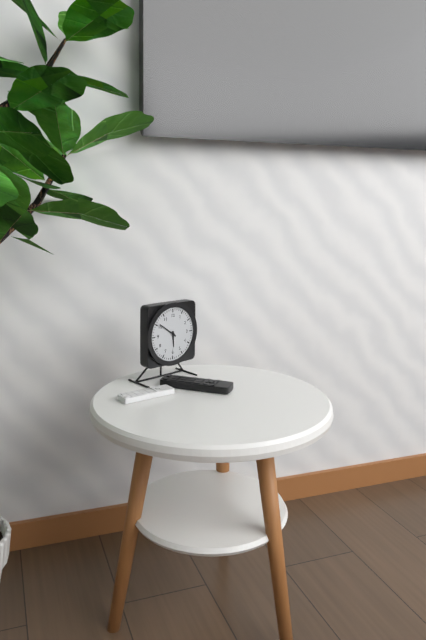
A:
**5:51**
